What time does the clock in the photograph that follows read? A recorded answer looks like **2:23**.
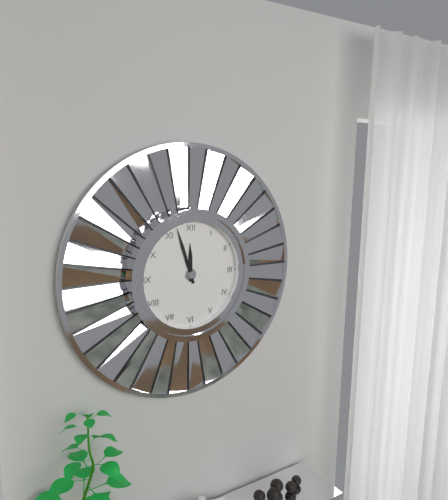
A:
**11:57**
